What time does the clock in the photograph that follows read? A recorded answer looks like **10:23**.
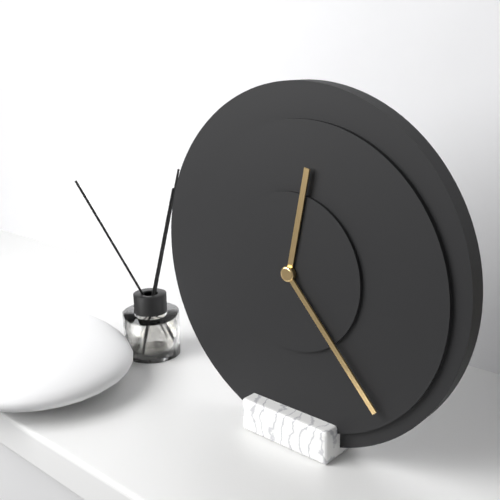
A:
**12:23**
